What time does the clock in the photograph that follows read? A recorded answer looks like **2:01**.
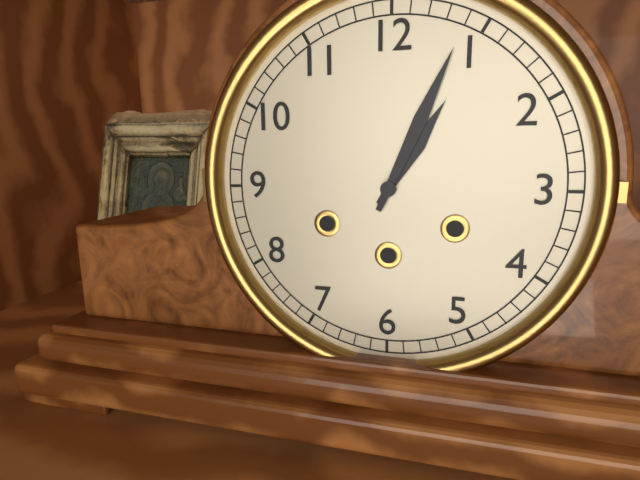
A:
**1:04**
